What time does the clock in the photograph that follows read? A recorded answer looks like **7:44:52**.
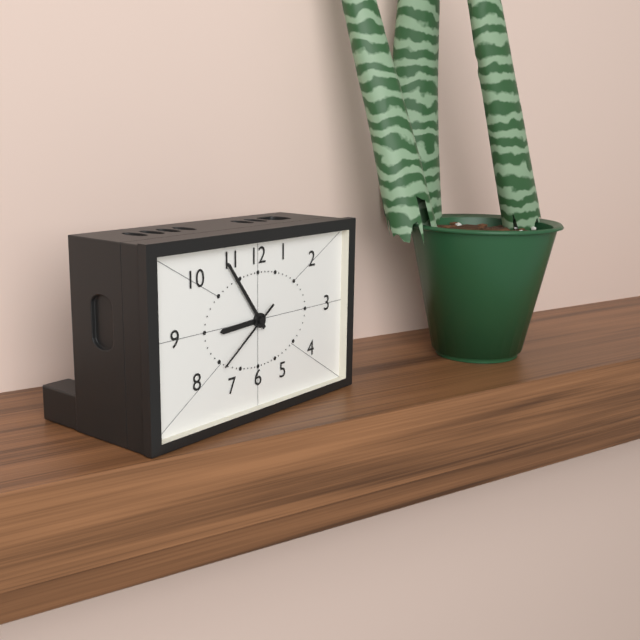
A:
**8:54:39**
